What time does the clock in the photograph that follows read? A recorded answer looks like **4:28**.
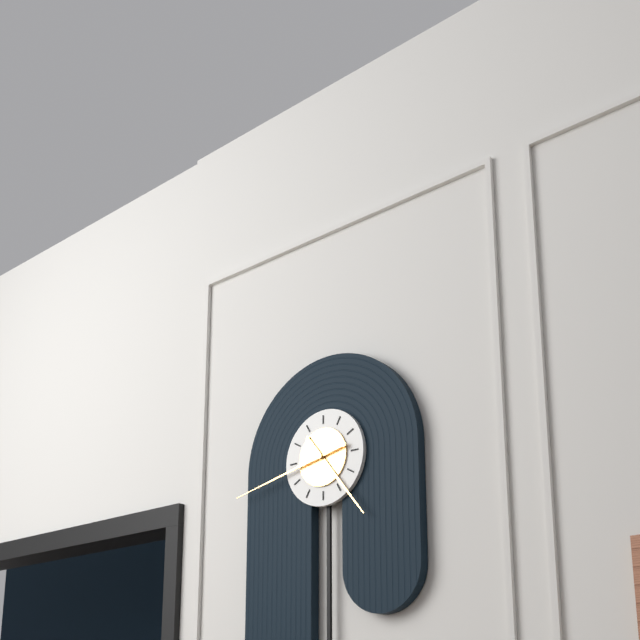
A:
**4:43**
